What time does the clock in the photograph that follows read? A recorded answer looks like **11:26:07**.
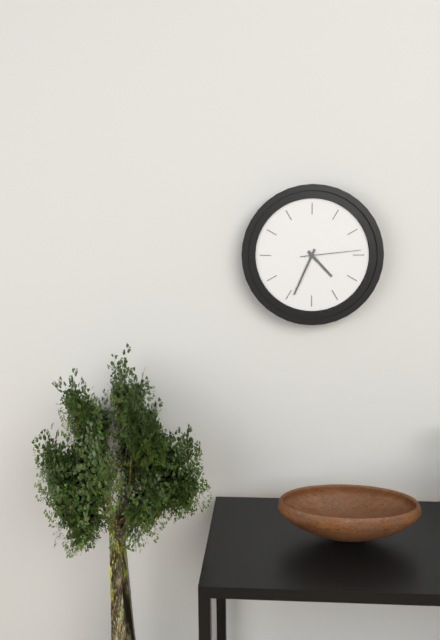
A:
**4:34:14**
